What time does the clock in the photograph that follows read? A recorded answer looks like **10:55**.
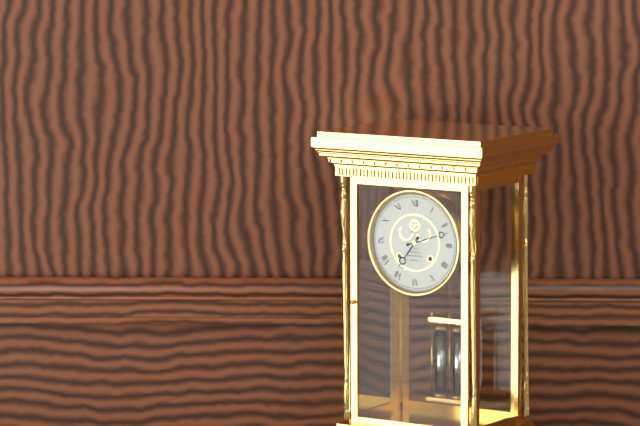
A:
**7:12**
